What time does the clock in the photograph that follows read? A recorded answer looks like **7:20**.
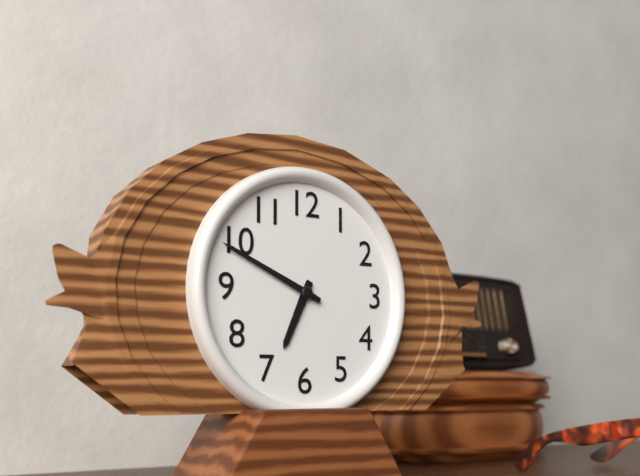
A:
**6:49**
